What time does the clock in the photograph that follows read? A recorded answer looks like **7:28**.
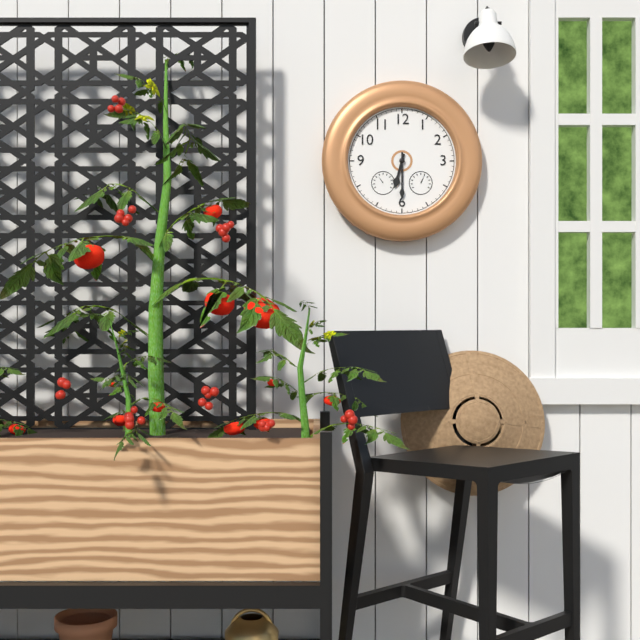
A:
**6:30**
